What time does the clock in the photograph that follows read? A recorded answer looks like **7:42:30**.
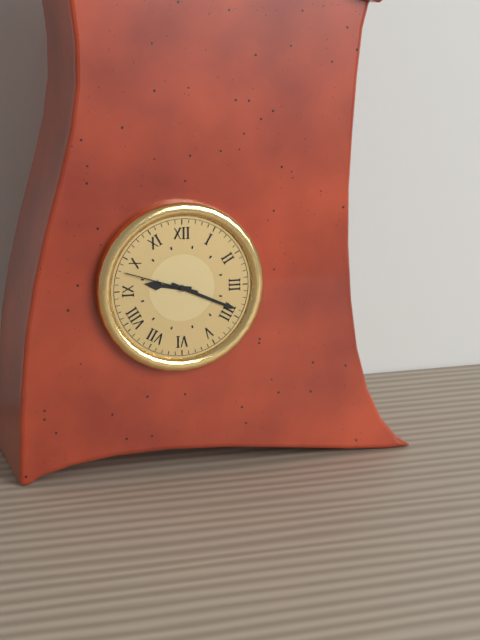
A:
**9:19:48**
